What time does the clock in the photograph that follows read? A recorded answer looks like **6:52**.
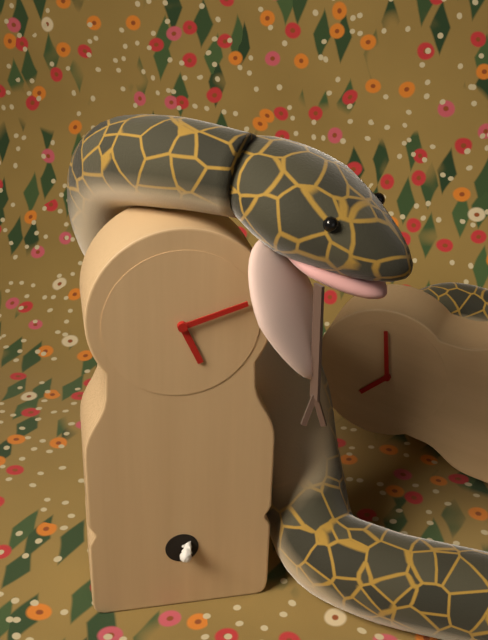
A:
**5:12**
